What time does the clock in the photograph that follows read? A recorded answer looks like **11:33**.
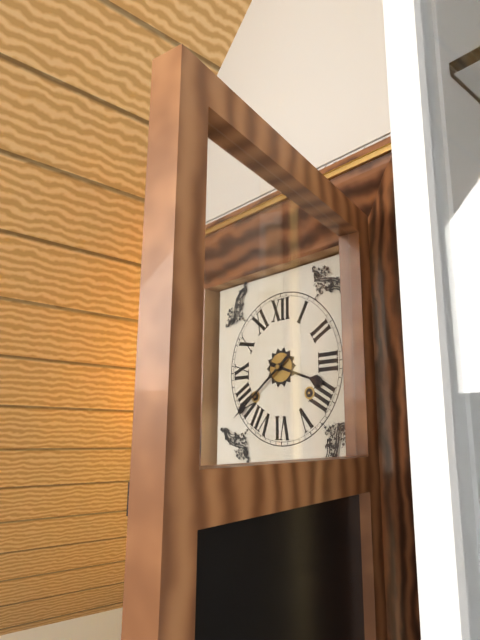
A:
**3:39**
